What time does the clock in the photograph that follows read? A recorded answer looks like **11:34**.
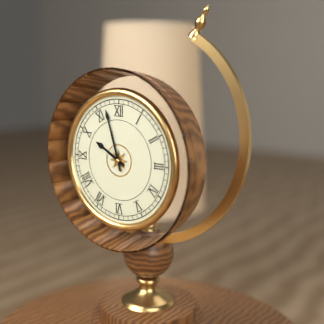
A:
**9:57**
